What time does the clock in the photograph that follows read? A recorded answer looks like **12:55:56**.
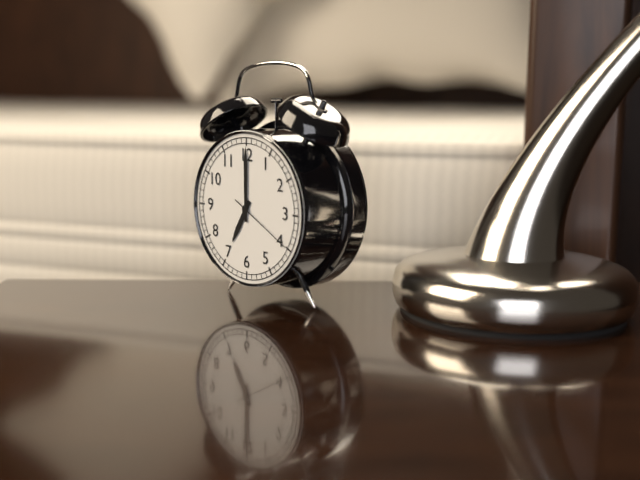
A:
**7:00:20**
